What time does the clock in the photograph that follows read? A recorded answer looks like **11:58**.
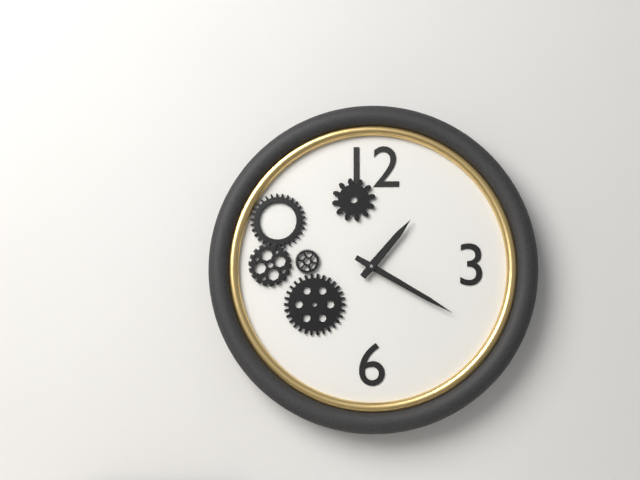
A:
**1:20**
